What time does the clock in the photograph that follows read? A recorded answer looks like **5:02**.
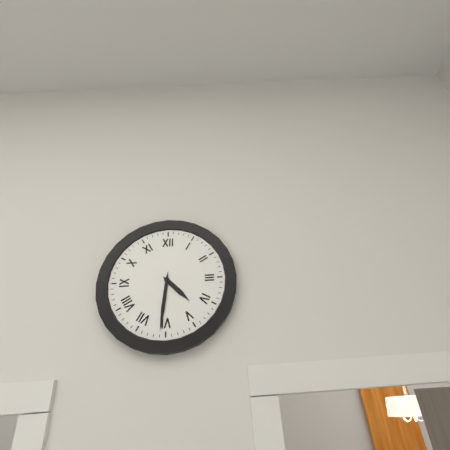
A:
**4:31**
